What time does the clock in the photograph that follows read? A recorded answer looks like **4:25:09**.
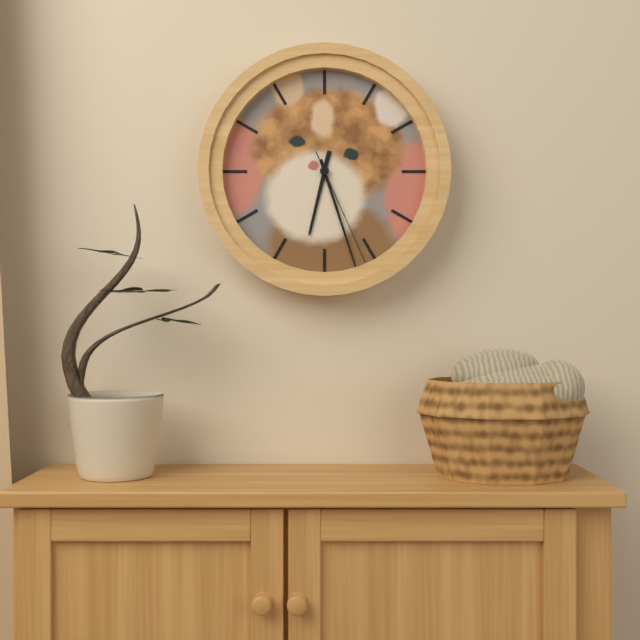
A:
**6:27:26**
